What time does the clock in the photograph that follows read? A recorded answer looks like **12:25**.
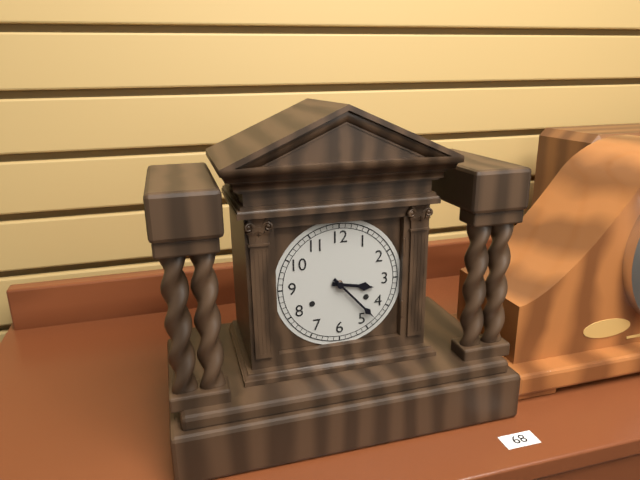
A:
**3:23**
